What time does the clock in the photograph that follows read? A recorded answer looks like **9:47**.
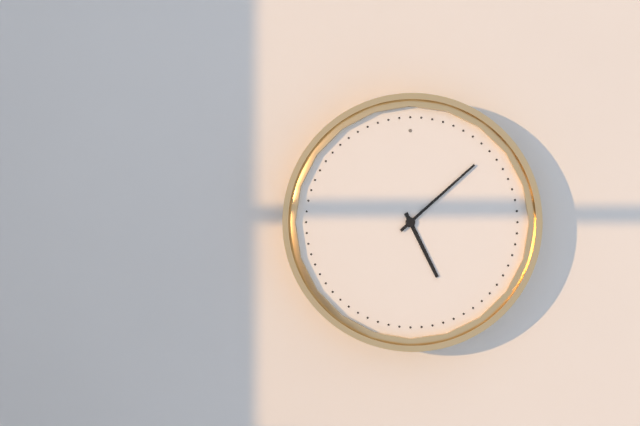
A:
**5:08**
